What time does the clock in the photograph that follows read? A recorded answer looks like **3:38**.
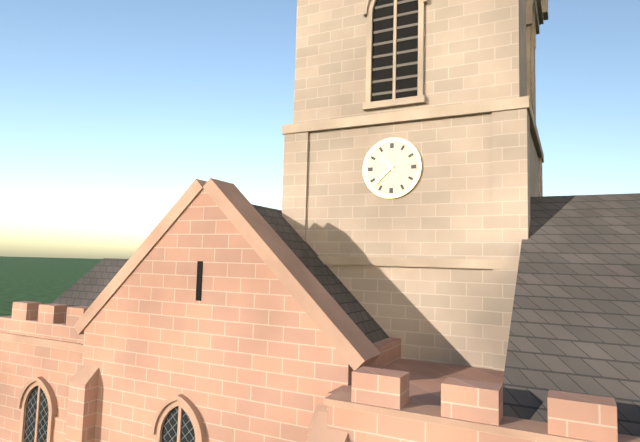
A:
**10:38**
